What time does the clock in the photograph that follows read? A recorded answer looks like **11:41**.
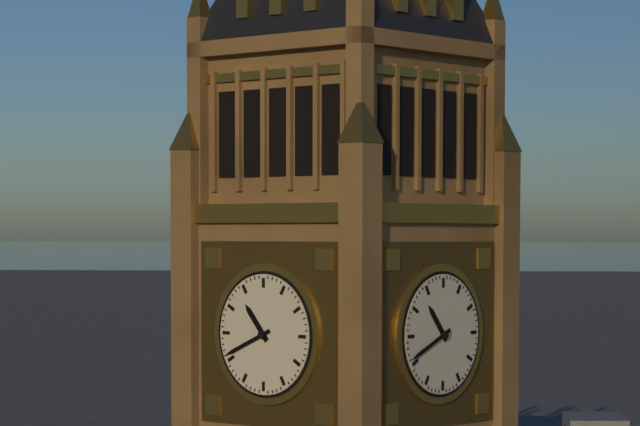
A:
**10:41**
